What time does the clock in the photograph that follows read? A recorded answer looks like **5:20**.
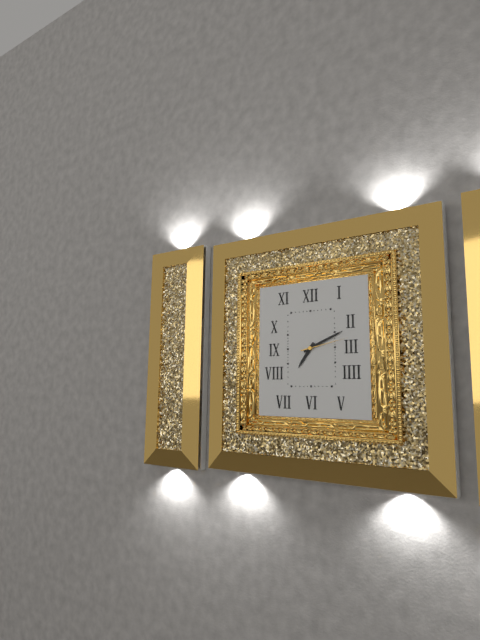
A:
**7:11**
